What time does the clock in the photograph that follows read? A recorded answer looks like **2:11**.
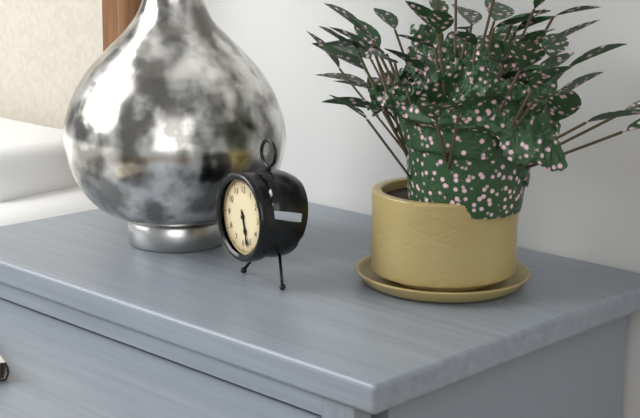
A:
**5:27**
